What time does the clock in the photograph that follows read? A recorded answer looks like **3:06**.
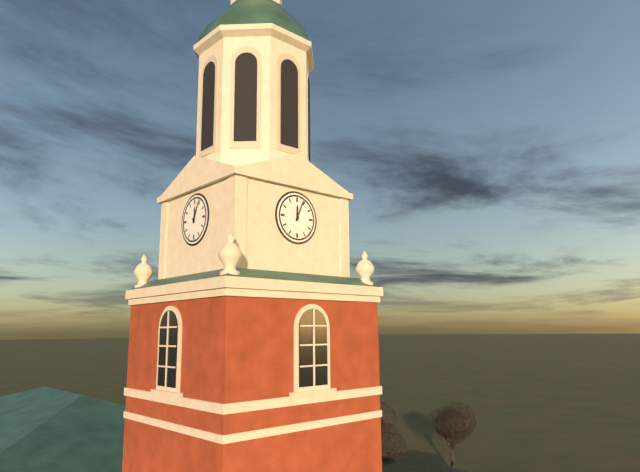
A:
**12:04**
